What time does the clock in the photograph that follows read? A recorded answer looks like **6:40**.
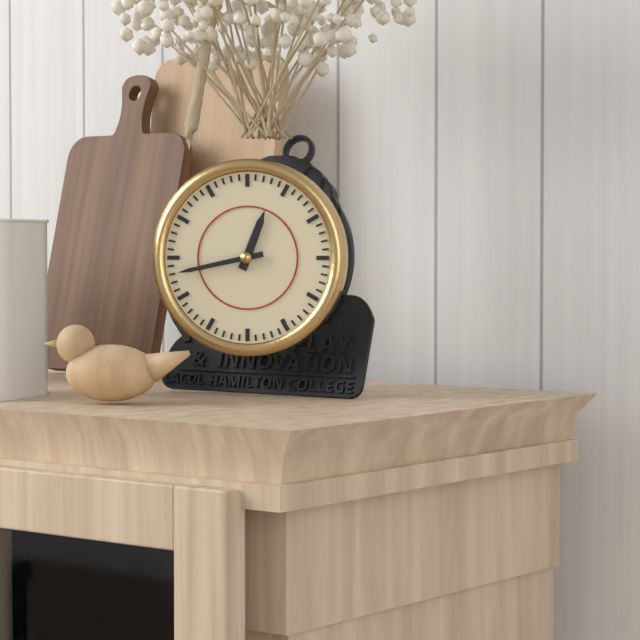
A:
**12:43**
